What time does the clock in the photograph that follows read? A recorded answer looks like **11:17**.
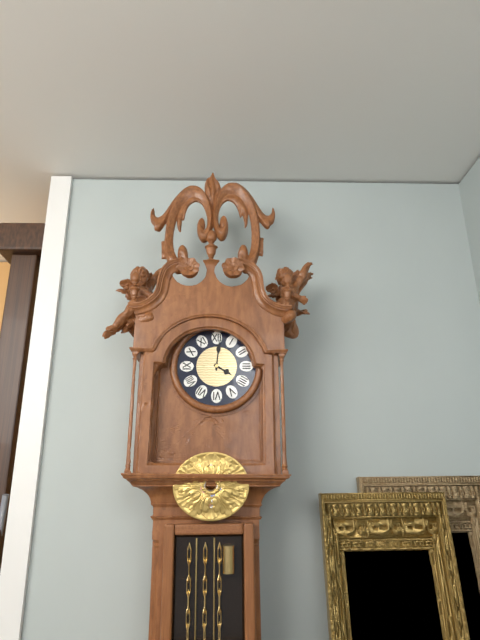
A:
**4:01**
